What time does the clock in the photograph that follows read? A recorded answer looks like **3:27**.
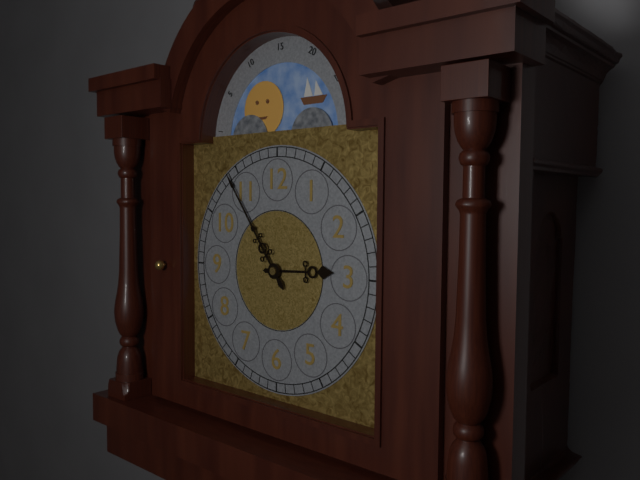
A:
**2:54**
